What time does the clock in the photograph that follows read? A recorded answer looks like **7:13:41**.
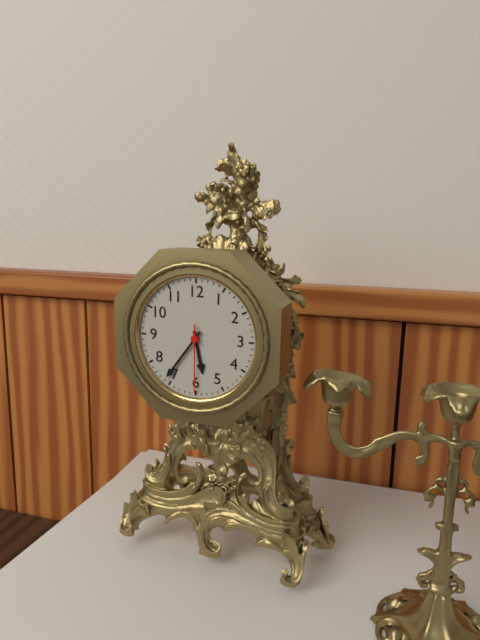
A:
**5:36:30**
